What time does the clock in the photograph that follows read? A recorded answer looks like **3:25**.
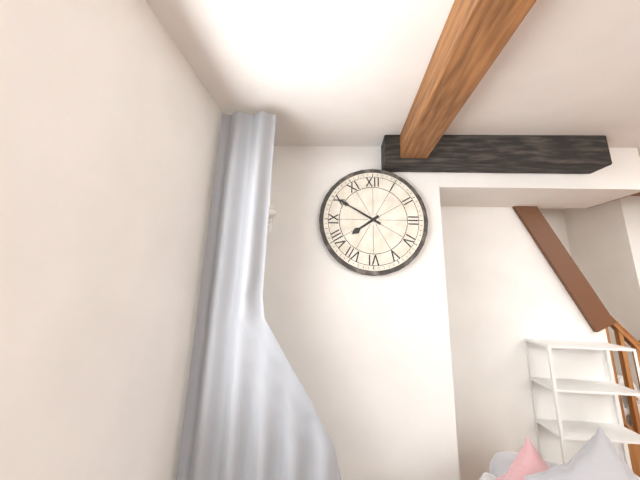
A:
**7:50**
